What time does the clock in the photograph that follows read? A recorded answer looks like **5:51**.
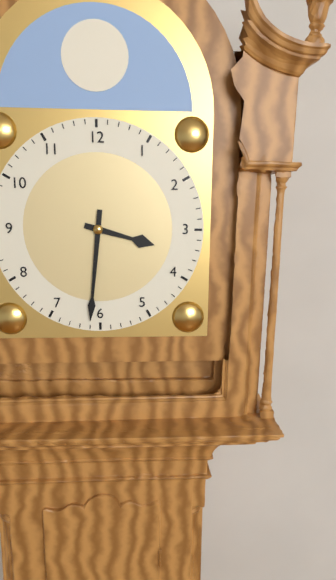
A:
**3:31**
